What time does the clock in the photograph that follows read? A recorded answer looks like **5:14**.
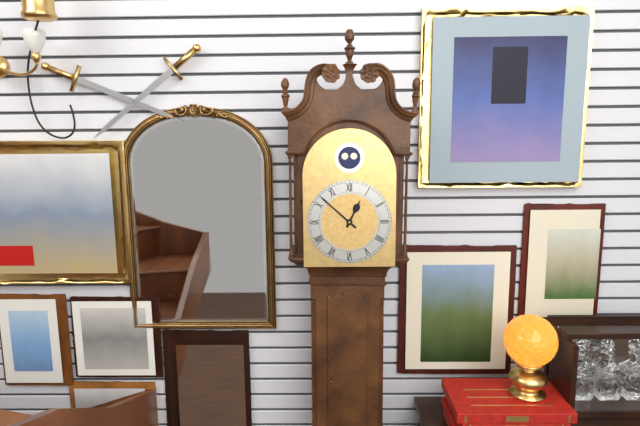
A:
**12:52**
